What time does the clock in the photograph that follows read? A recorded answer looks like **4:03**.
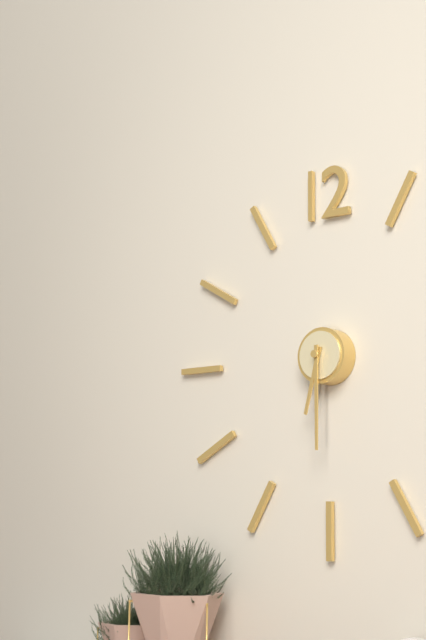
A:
**6:30**
